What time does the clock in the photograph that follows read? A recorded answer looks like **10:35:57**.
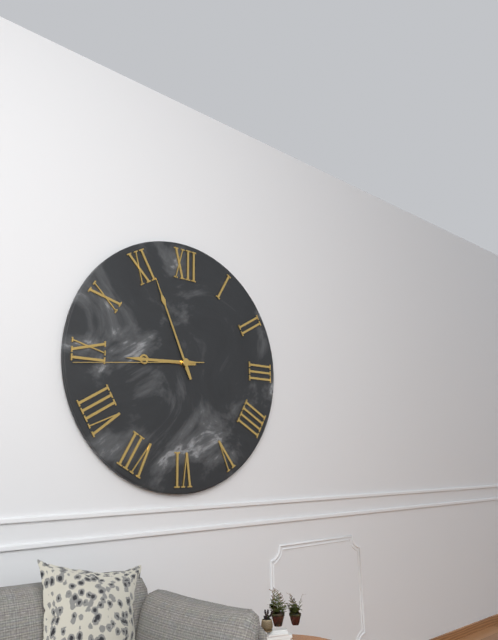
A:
**8:56:44**
